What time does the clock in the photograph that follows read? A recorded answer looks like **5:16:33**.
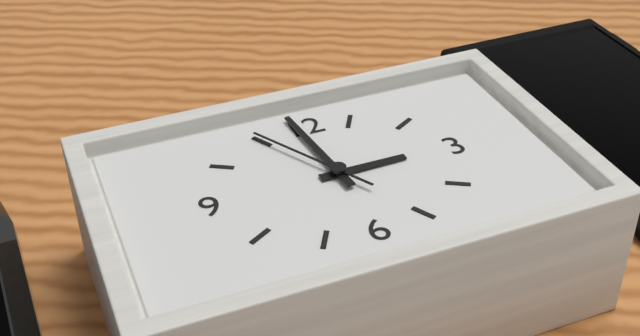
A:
**2:59:55**
